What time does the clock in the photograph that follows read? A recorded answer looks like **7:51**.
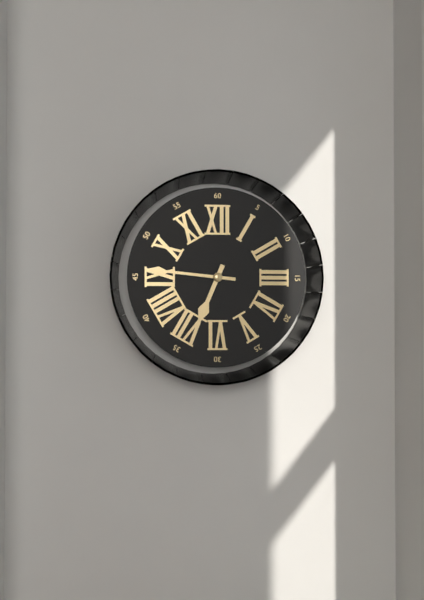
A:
**6:46**
